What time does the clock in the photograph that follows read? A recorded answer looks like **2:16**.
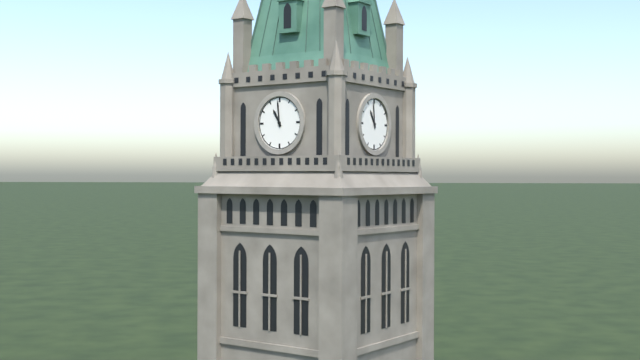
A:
**10:59**
